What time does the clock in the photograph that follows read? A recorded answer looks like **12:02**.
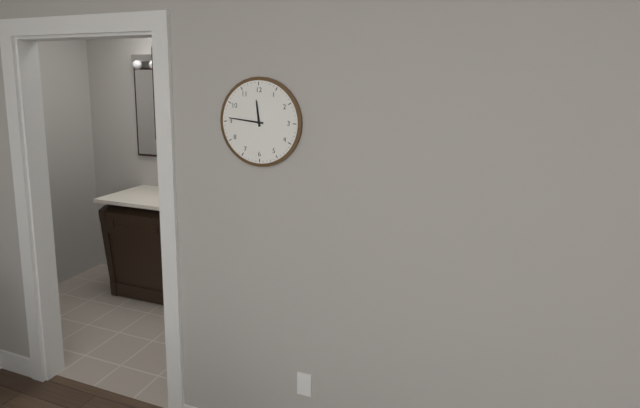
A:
**11:46**
